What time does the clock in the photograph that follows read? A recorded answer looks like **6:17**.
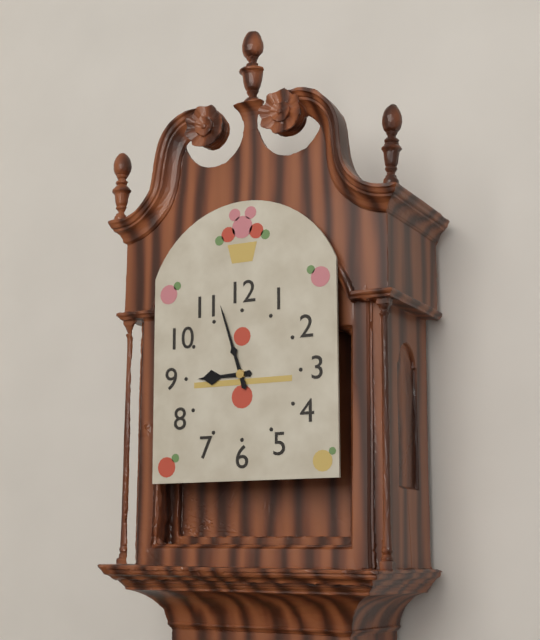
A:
**8:57**
